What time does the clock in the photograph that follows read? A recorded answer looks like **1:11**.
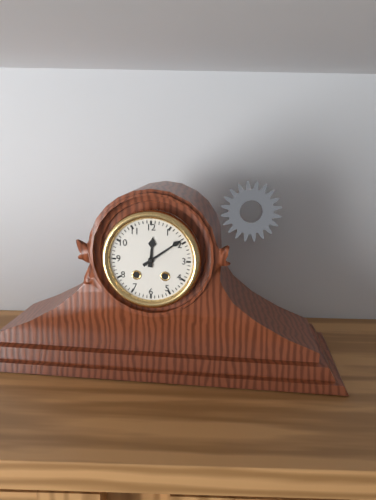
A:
**12:09**
